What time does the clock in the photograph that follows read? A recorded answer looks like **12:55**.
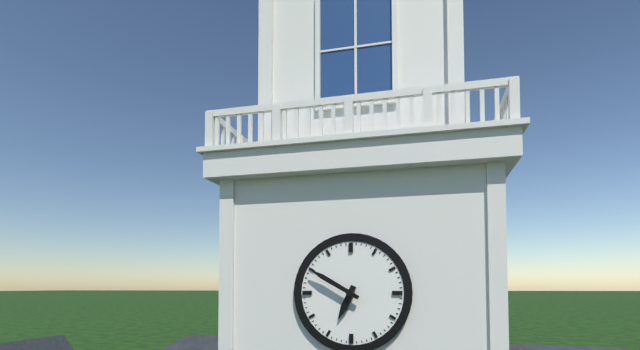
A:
**6:50**
